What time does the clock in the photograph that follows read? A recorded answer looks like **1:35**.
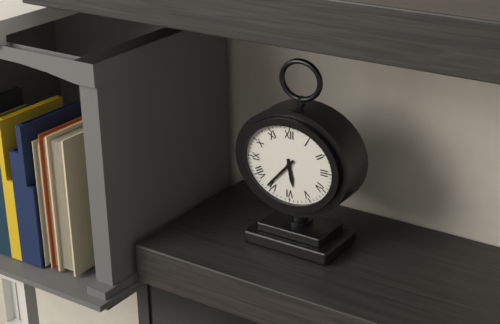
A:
**5:37**
